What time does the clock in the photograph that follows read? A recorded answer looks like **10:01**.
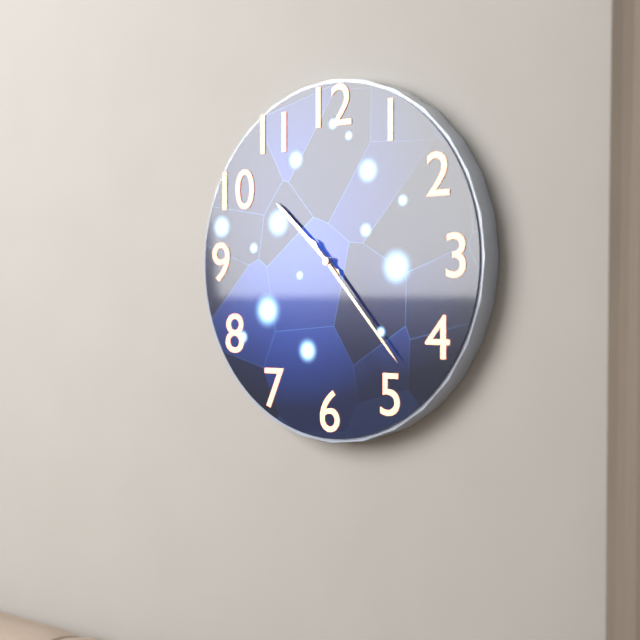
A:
**10:23**
